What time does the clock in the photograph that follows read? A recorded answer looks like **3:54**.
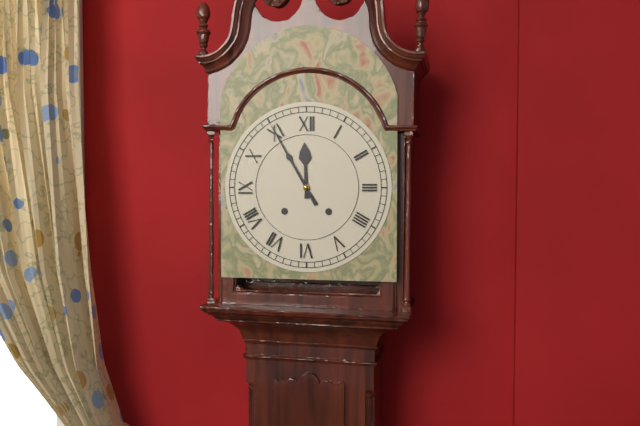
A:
**11:55**
